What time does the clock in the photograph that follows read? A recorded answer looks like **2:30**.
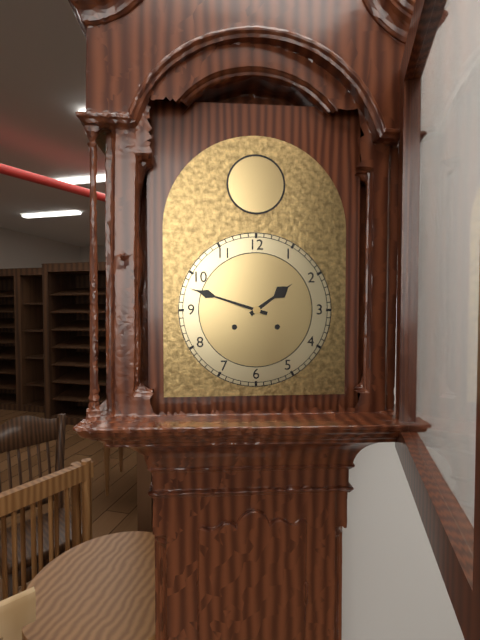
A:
**1:48**
